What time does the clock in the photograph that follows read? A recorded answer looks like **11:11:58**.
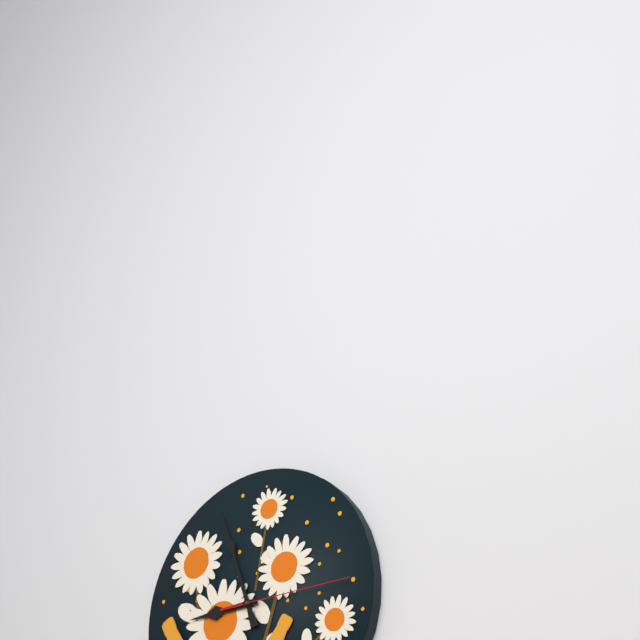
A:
**8:57:15**
